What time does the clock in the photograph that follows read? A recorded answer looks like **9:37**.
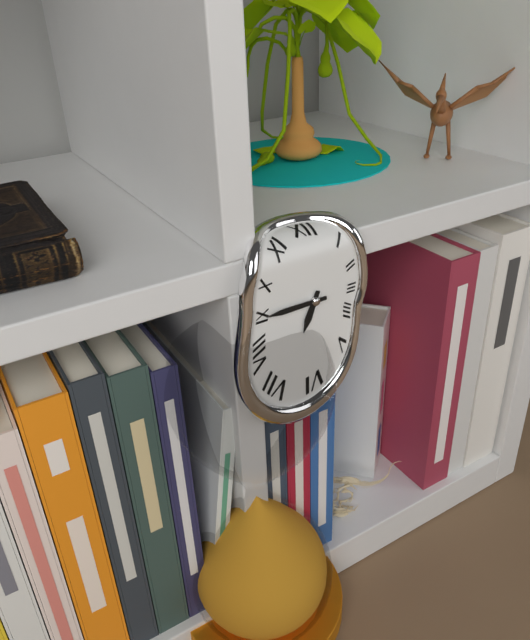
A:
**6:45**
